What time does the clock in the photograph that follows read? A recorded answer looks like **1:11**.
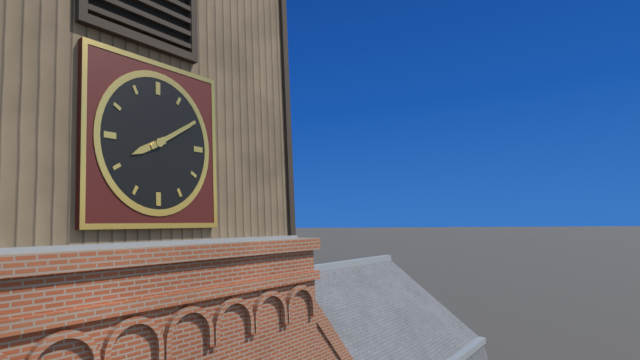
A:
**8:10**
